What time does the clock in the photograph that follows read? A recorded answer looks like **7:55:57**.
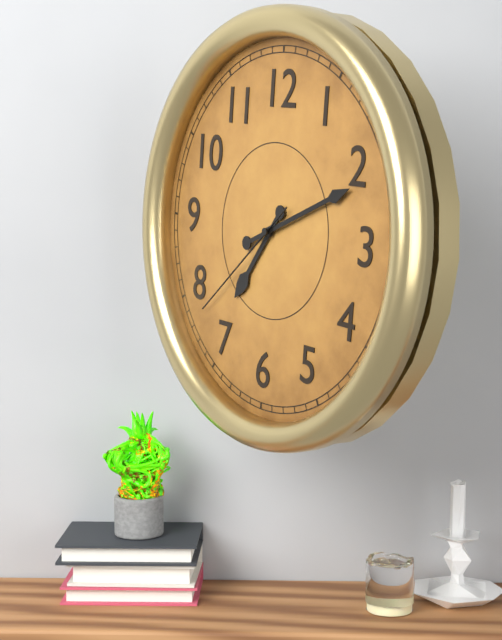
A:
**7:11:38**
